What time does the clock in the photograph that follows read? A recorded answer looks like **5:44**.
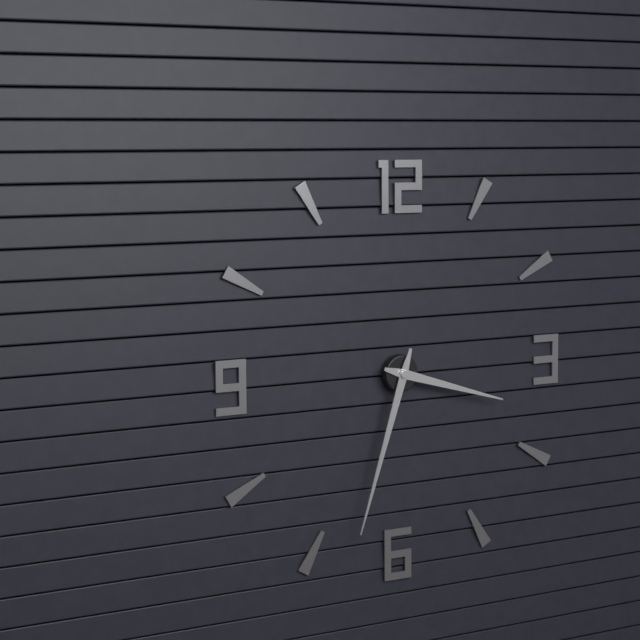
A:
**3:33**
